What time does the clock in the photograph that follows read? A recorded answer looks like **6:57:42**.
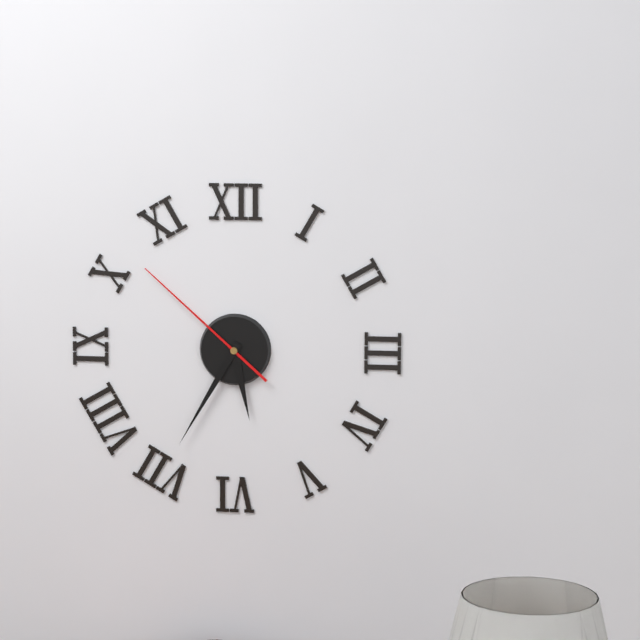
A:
**5:35:52**
